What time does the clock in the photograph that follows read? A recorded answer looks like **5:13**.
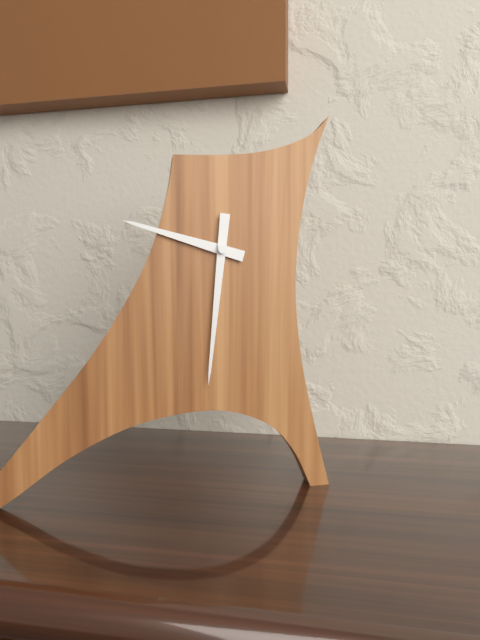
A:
**9:31**
